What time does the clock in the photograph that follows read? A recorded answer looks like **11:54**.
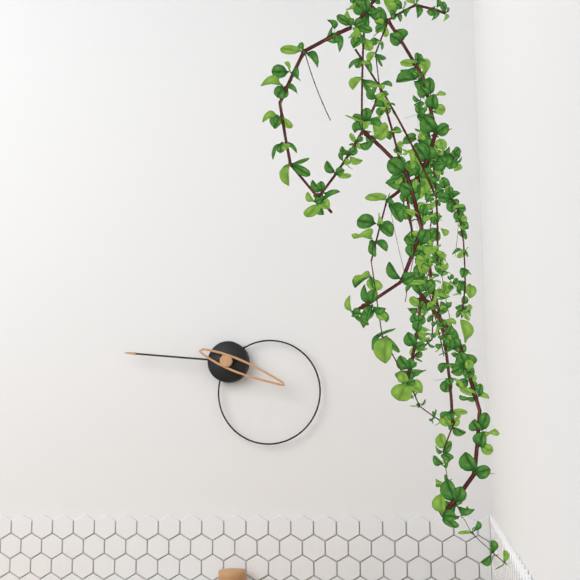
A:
**3:46**
